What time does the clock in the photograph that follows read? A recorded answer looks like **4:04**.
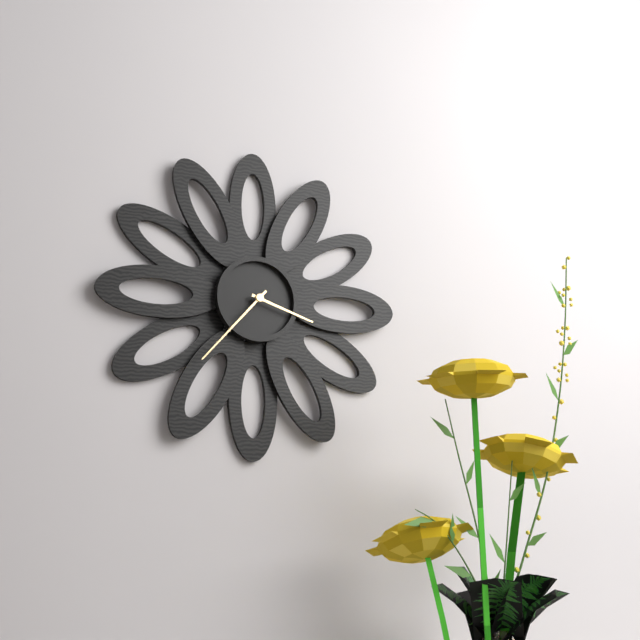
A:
**3:37**
